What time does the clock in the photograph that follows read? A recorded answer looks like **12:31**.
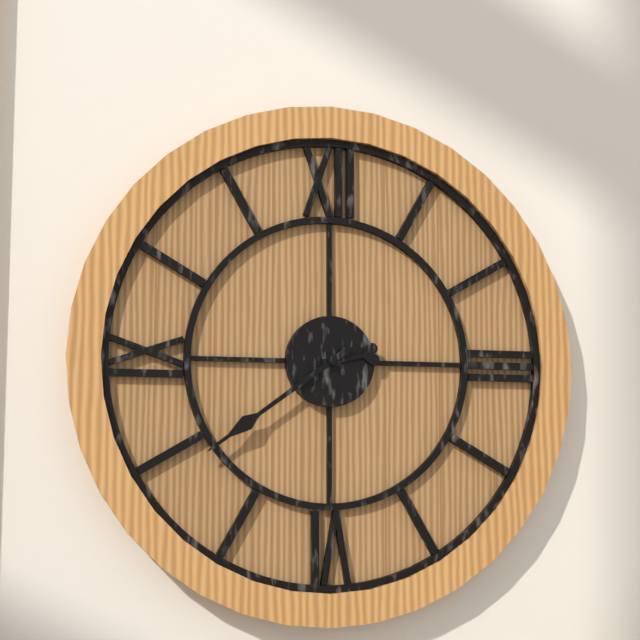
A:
**2:39**
